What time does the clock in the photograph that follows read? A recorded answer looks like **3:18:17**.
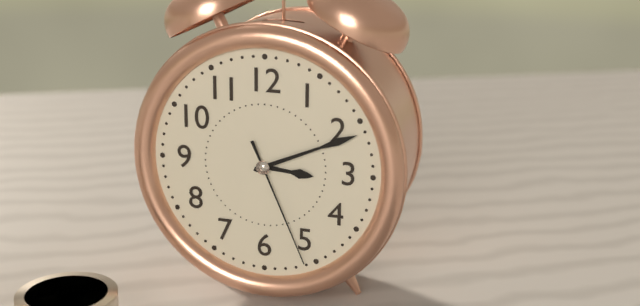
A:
**3:11:26**
